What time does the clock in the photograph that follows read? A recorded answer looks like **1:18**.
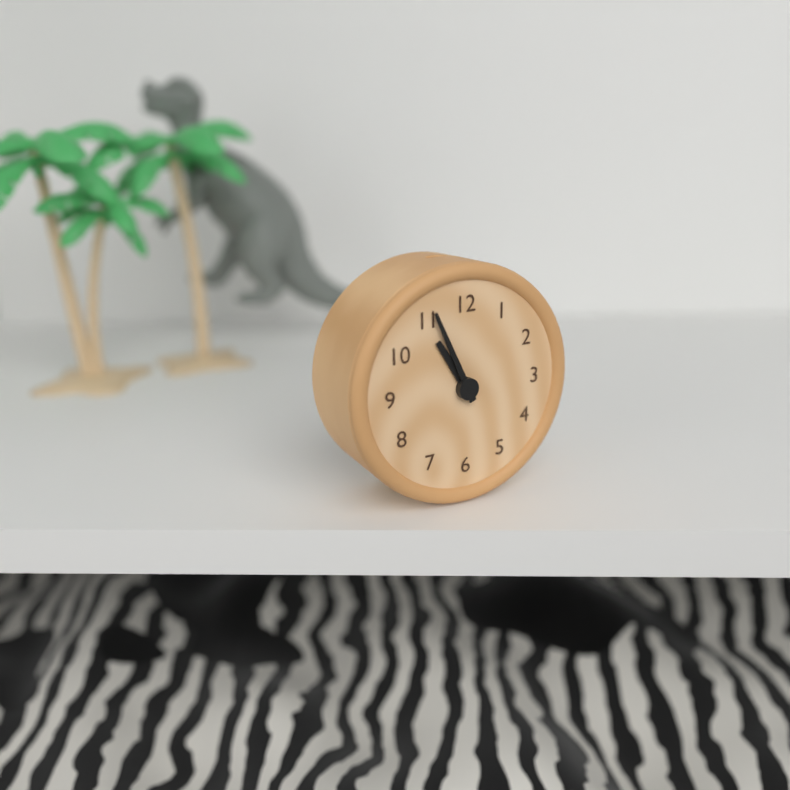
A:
**10:56**
